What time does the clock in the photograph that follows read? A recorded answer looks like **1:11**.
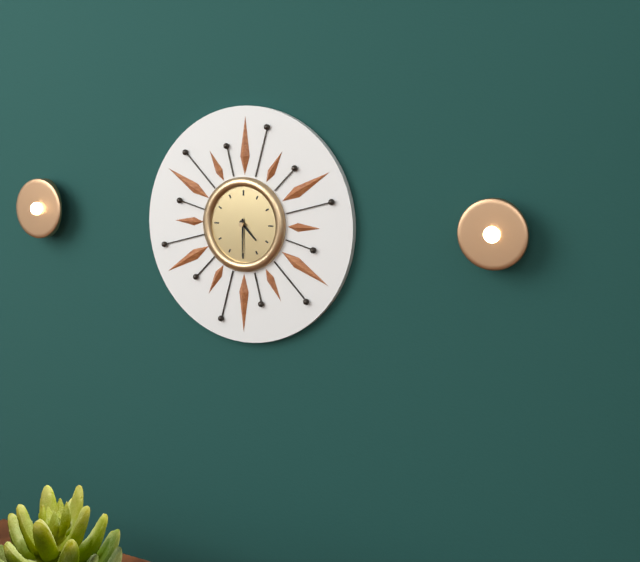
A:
**4:30**
